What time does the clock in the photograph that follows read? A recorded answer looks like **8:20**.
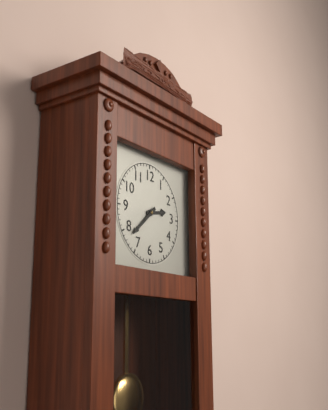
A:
**2:38**
